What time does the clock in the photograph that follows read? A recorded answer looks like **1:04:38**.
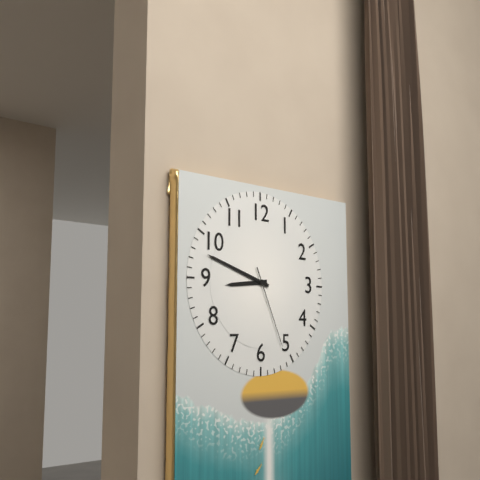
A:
**8:48:26**
